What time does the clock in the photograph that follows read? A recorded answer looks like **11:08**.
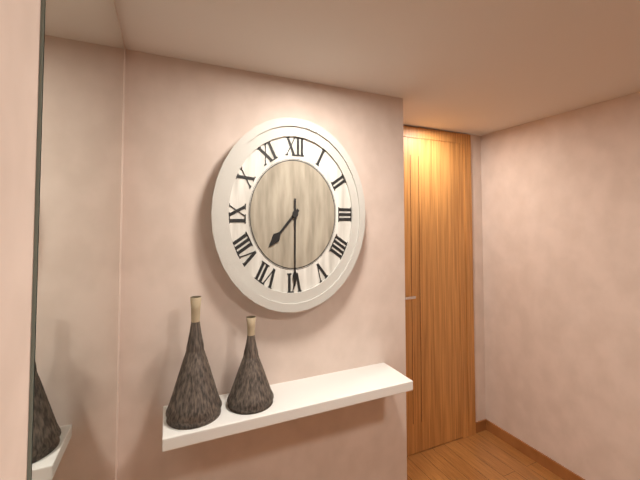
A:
**7:30**
